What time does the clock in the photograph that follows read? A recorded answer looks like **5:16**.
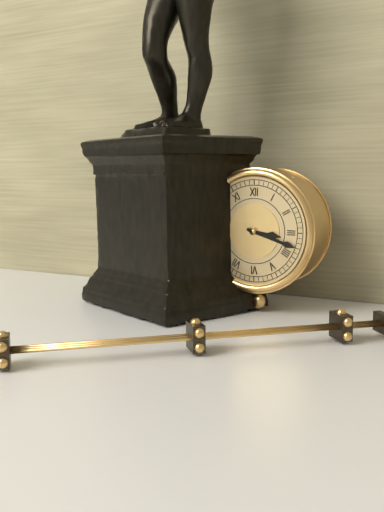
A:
**3:18**
